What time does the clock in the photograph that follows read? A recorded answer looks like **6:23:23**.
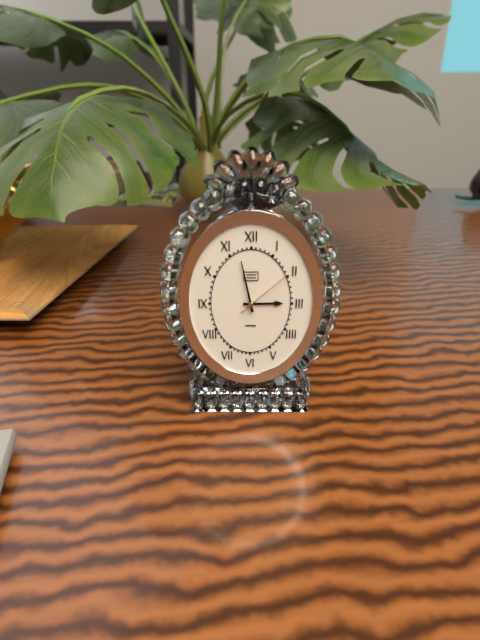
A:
**2:58:08**
